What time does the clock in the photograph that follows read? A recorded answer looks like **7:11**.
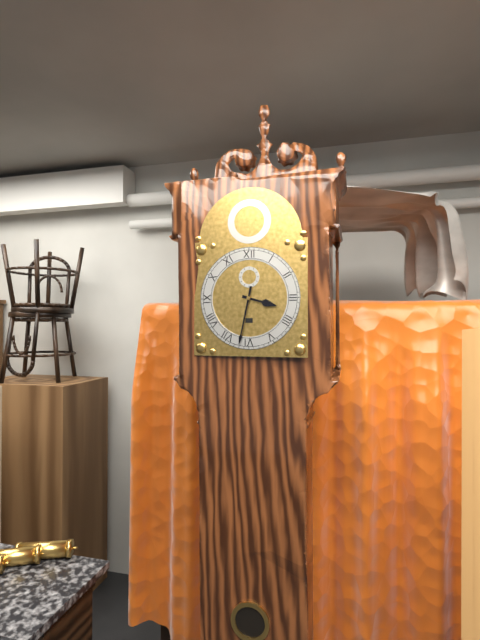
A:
**3:32**
